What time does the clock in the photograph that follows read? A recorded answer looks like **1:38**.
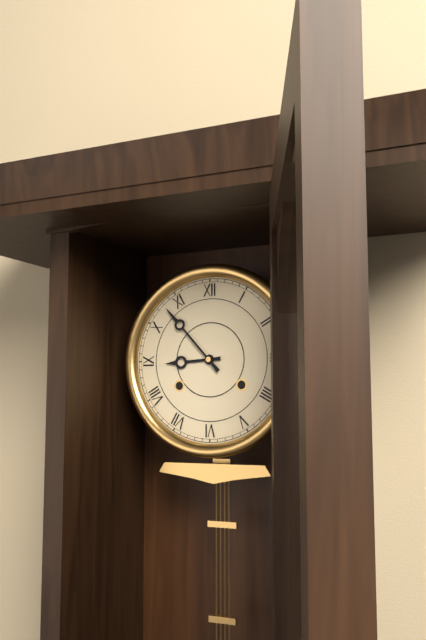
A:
**8:53**
